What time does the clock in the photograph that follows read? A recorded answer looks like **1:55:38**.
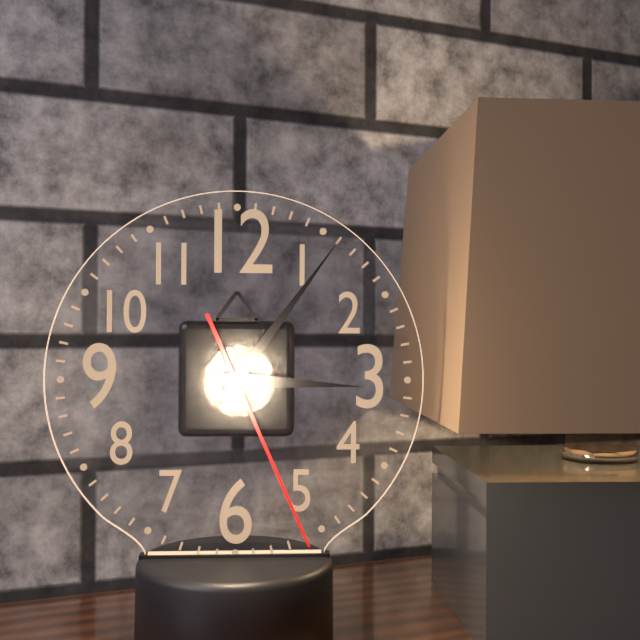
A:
**3:06:26**
